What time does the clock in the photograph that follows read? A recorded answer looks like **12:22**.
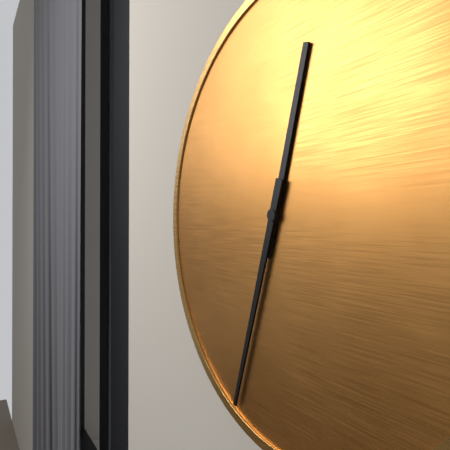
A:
**12:33**
